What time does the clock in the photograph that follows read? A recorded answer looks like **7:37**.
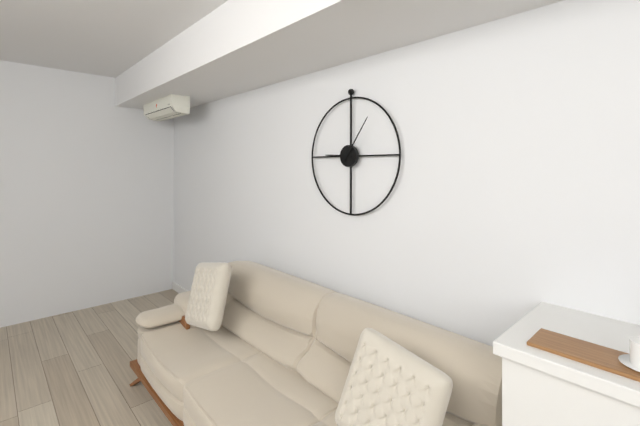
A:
**9:06**
